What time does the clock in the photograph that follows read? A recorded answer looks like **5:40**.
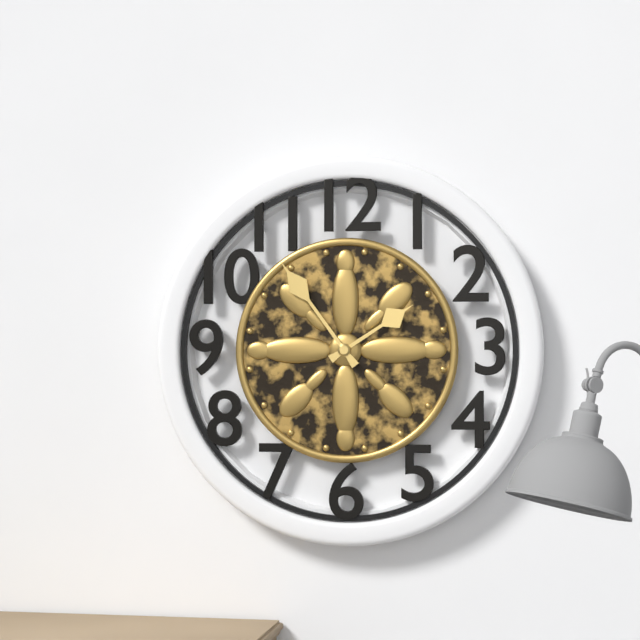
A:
**1:54**
